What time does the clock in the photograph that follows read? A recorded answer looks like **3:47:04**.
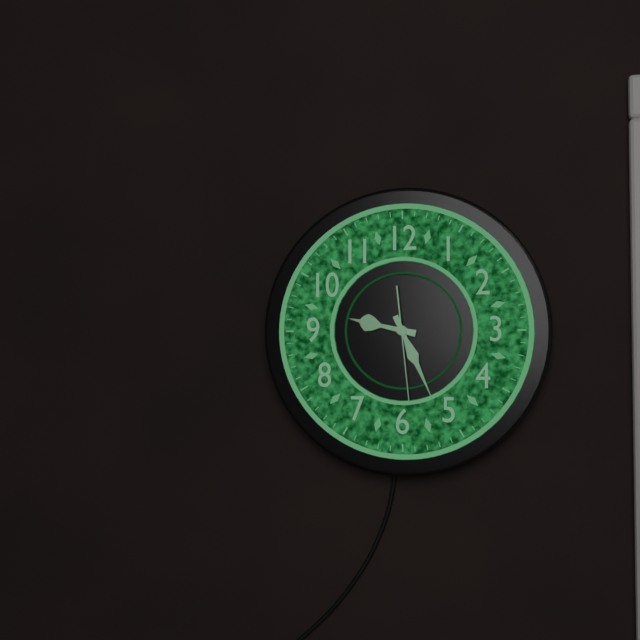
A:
**9:26:29**
